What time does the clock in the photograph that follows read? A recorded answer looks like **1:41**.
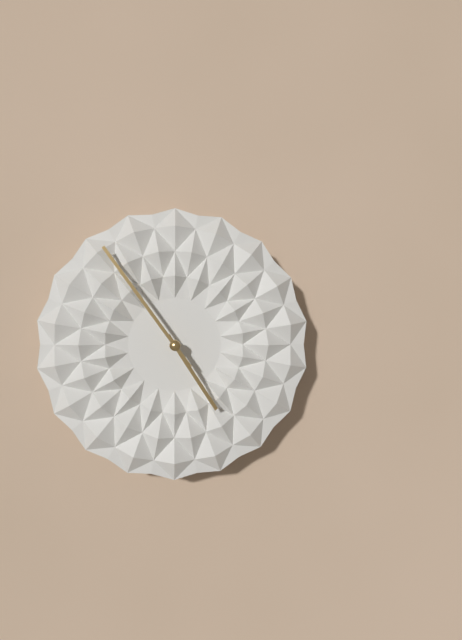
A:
**4:54**
